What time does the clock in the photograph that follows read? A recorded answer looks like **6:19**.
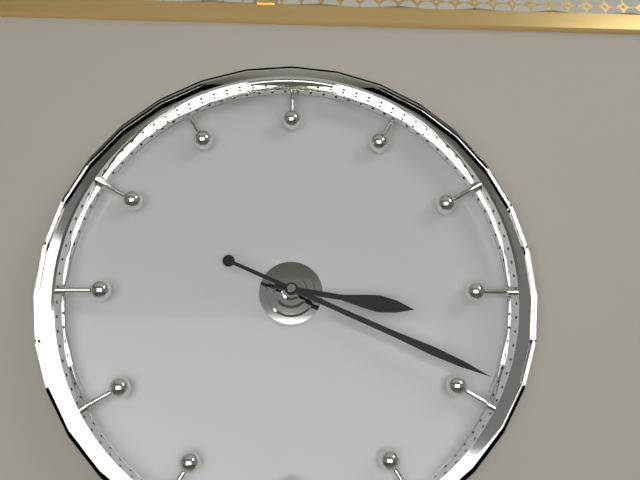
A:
**3:19**
